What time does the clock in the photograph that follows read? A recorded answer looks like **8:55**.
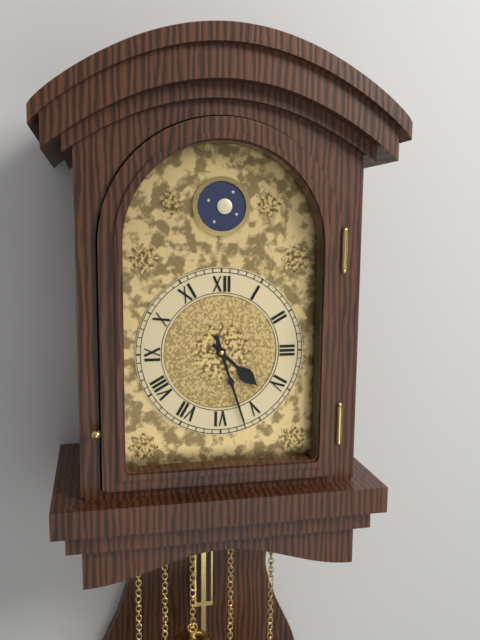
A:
**4:27**
